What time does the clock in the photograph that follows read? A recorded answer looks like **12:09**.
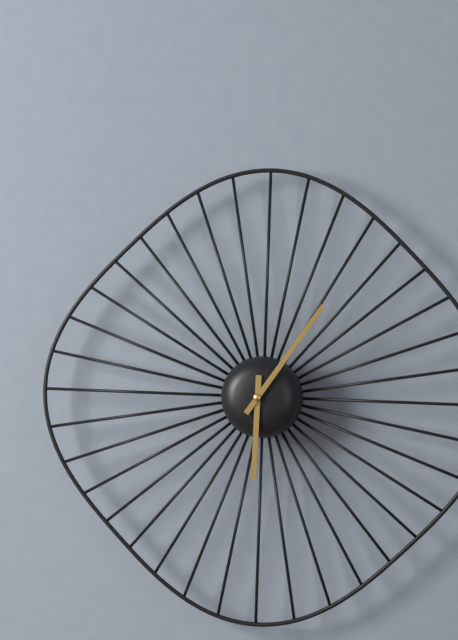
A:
**6:06**
